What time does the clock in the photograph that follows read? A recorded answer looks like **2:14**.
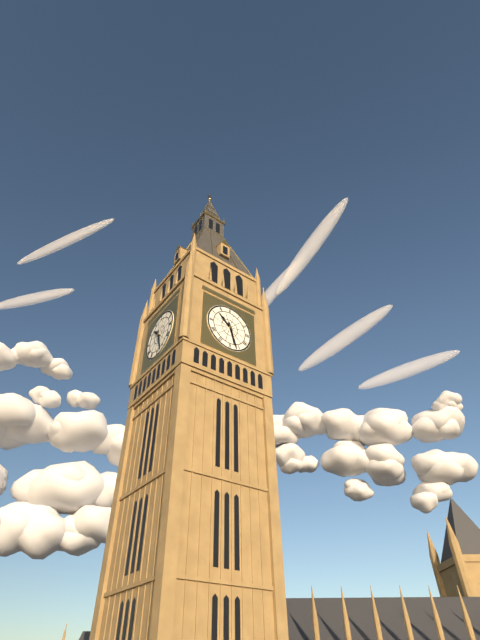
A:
**10:27**
